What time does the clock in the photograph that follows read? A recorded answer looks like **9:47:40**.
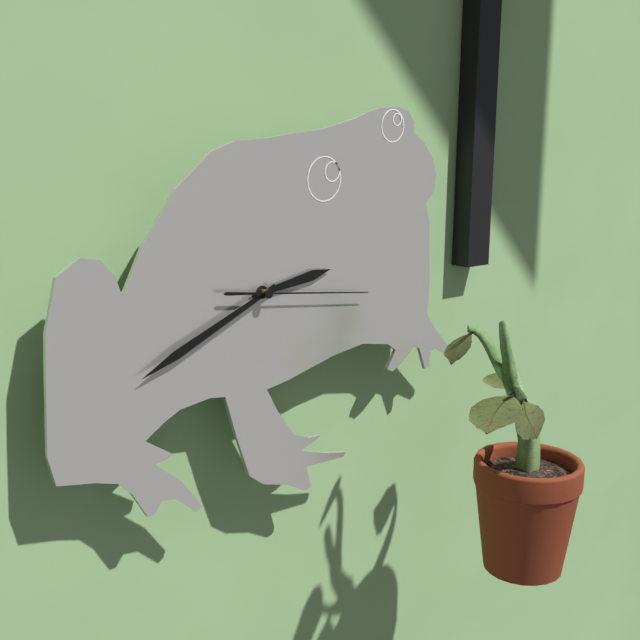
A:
**2:41:16**
